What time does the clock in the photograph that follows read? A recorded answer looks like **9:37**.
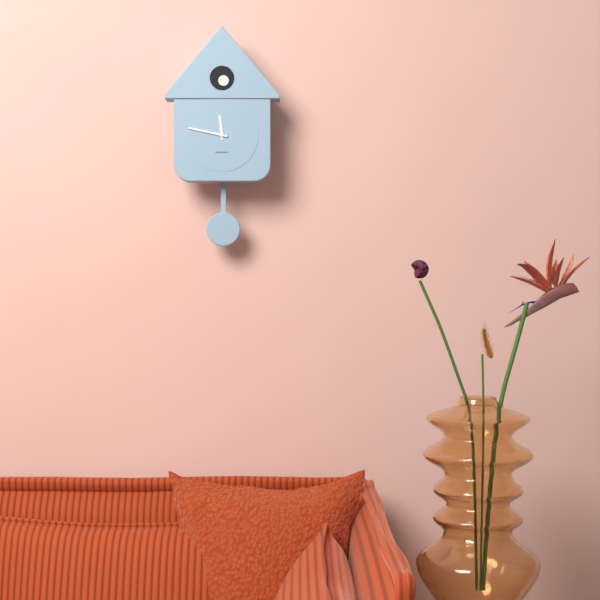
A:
**11:47**
